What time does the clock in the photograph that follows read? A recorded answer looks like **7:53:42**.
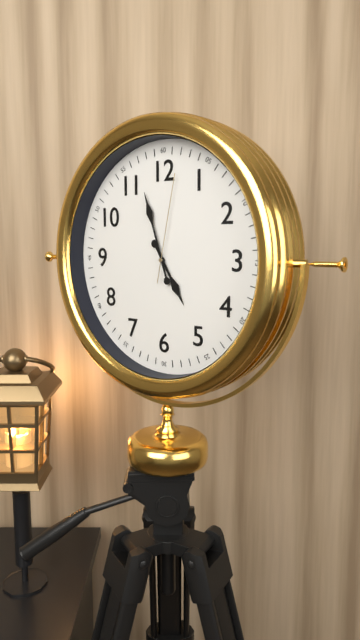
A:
**4:57:02**
